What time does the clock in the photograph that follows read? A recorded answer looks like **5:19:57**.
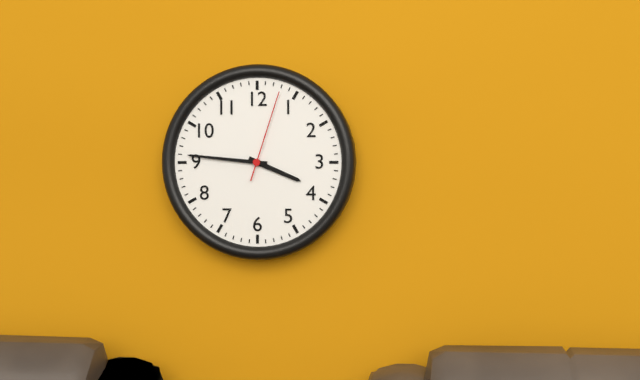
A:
**3:46:03**
